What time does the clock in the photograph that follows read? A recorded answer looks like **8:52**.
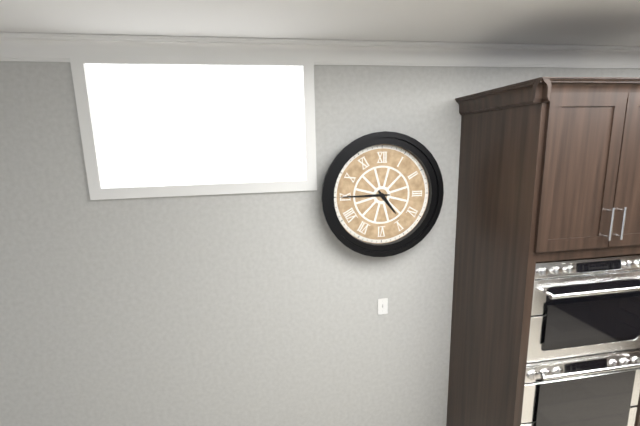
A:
**4:45**
